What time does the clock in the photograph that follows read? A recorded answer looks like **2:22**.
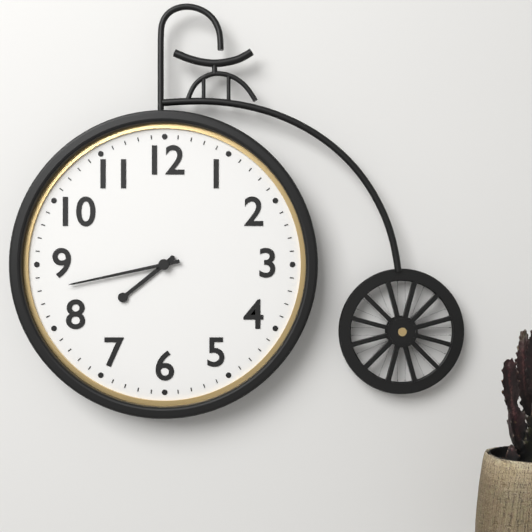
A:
**7:43**
